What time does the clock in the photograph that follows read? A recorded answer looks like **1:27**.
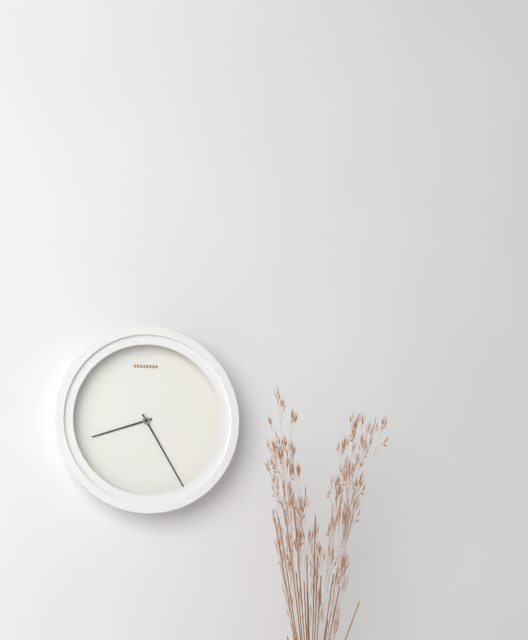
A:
**8:25**
